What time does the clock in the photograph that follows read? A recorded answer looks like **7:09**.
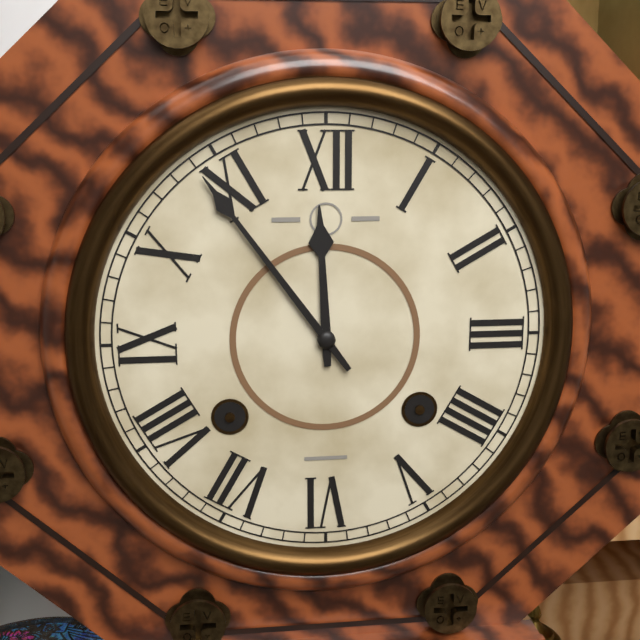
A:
**11:54**
